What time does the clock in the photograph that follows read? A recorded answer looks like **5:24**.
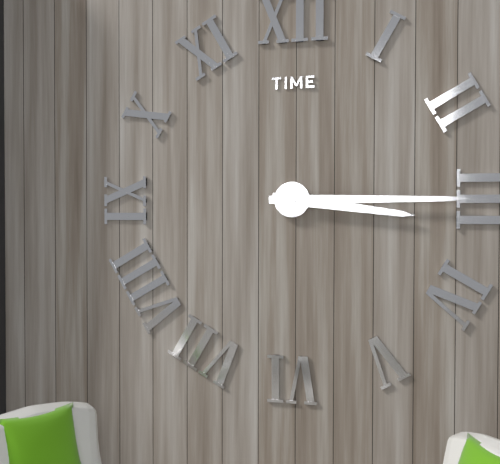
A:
**3:15**
